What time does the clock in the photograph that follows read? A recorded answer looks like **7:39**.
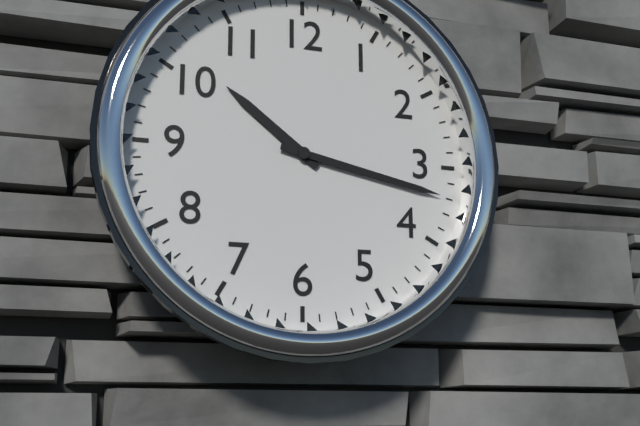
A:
**10:17**
